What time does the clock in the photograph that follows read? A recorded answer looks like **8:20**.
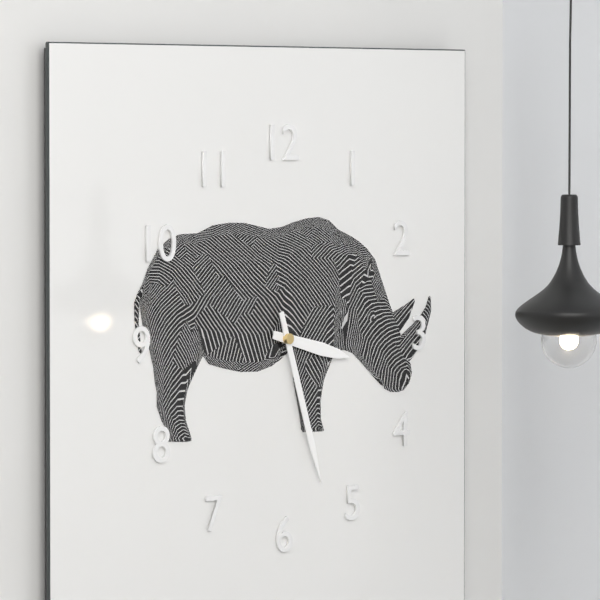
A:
**3:27**
